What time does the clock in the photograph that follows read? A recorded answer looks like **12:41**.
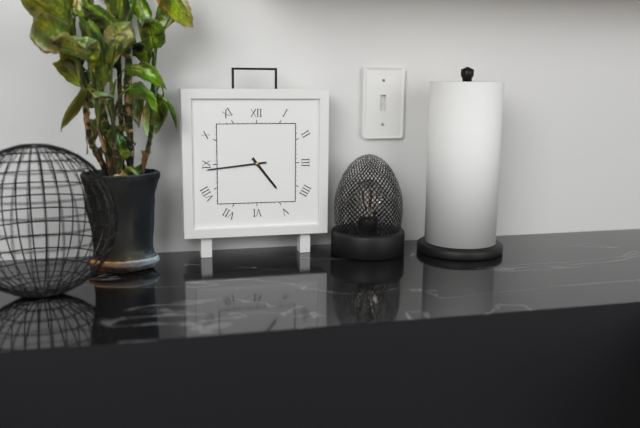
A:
**4:44**
